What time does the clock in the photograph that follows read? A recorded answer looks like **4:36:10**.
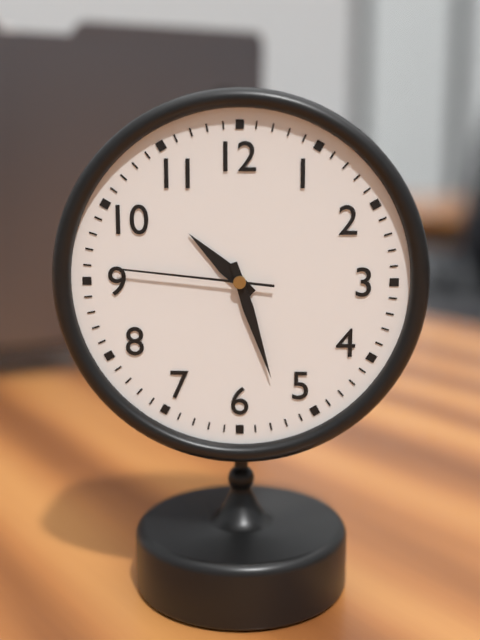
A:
**10:27:46**
